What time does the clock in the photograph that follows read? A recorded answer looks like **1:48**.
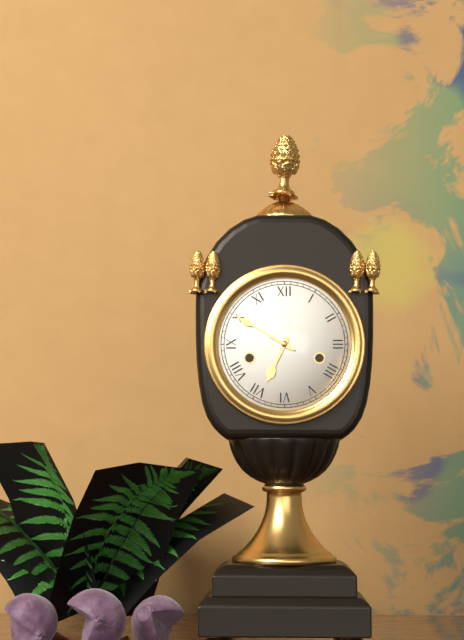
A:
**6:50**
